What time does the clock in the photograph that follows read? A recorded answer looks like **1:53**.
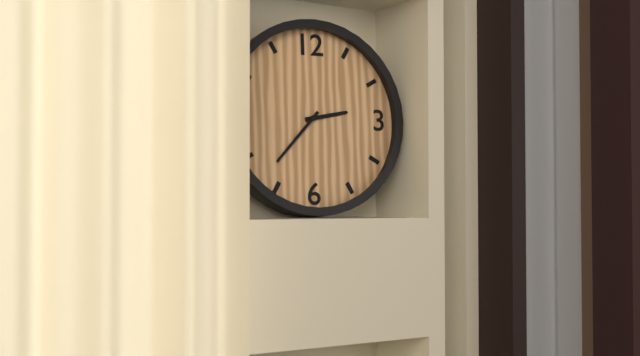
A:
**2:37**
